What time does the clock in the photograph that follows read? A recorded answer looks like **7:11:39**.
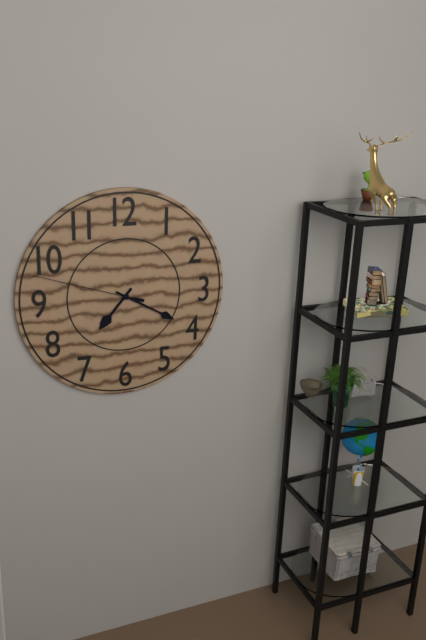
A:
**7:20:48**
